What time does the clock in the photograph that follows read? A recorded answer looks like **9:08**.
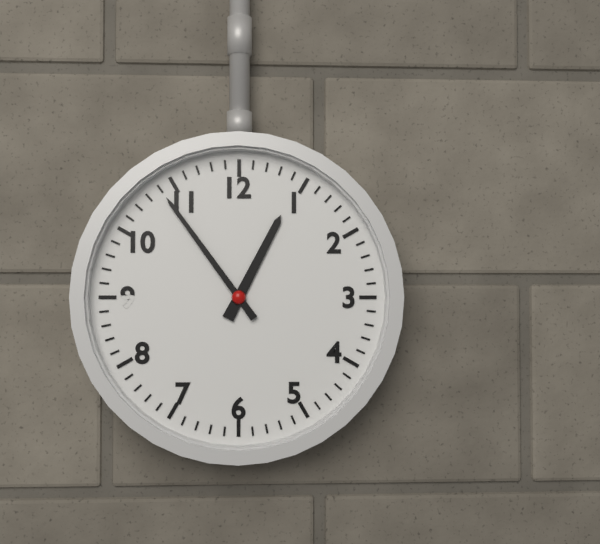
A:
**12:54**
